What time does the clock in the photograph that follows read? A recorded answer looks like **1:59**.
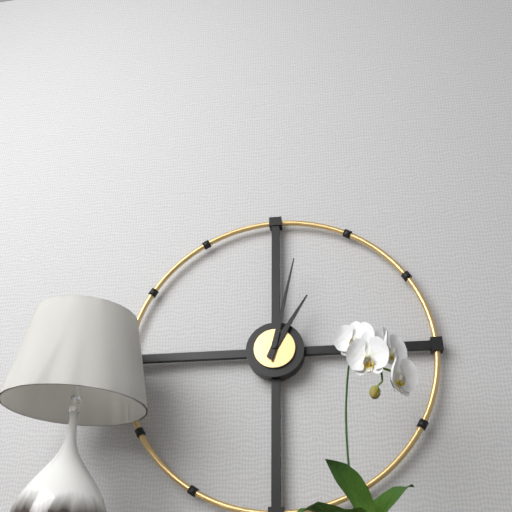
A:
**1:02**
